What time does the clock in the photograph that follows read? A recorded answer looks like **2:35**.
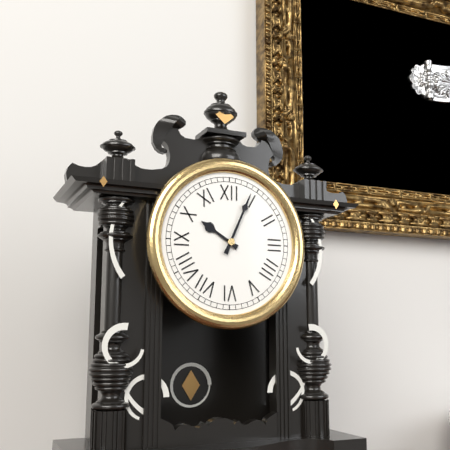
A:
**10:04**
